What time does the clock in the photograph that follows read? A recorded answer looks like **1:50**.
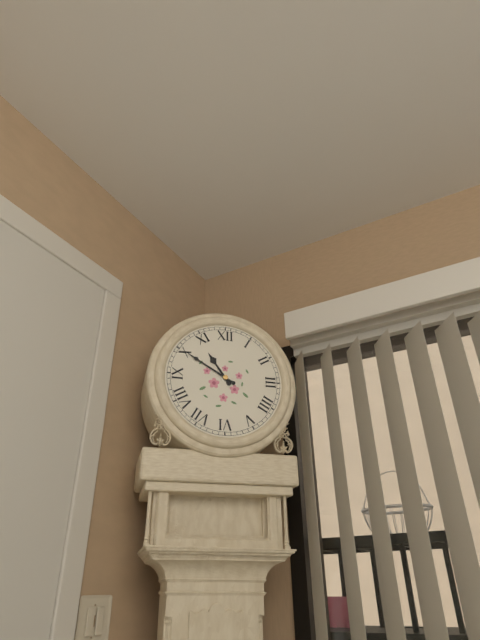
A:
**10:50**
